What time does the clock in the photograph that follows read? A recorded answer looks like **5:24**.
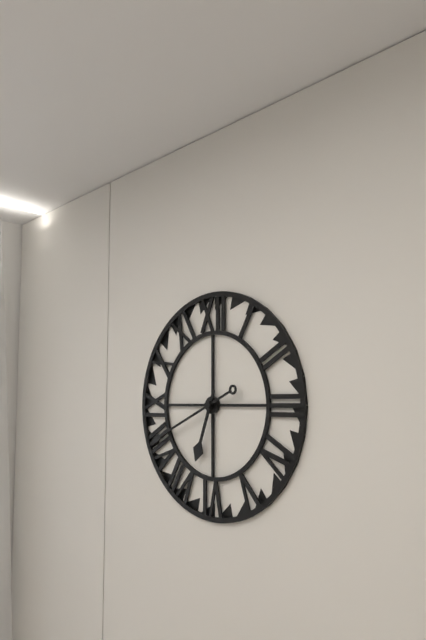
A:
**6:41**
